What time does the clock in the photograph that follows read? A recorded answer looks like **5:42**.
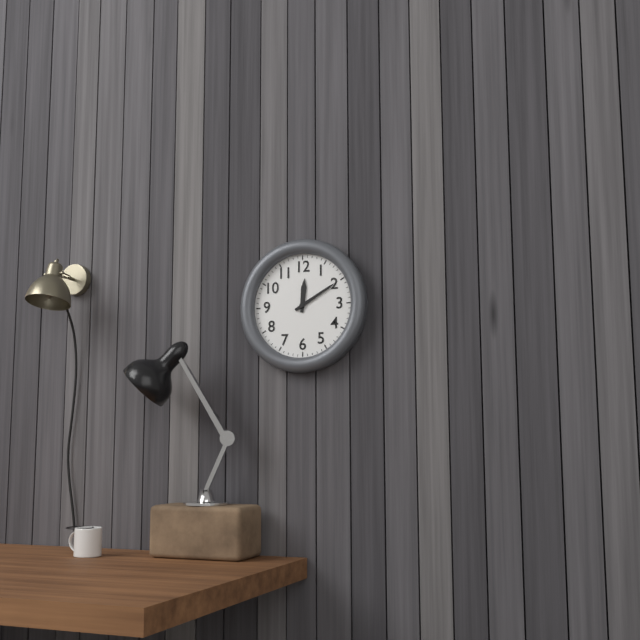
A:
**12:10**
